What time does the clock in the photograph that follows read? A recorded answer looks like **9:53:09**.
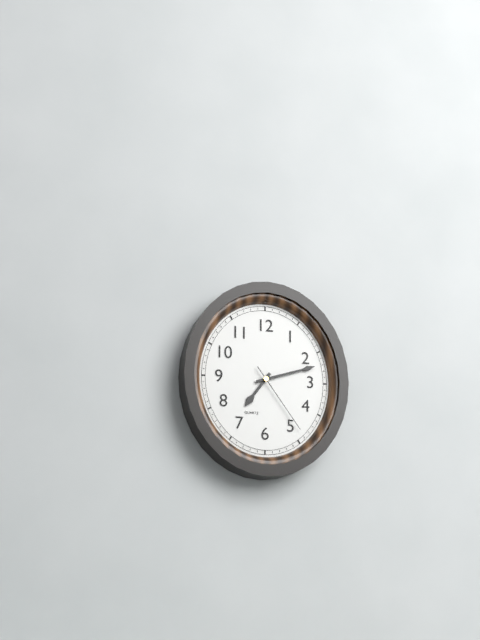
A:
**7:12:24**
